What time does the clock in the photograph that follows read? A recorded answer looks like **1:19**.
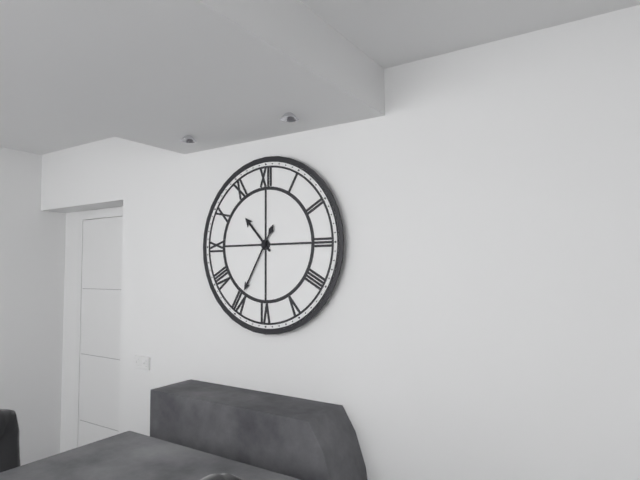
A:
**10:35**
